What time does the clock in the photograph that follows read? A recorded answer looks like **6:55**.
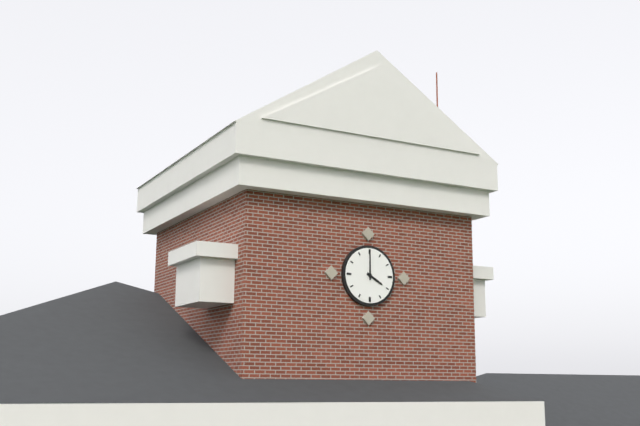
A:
**4:00**
